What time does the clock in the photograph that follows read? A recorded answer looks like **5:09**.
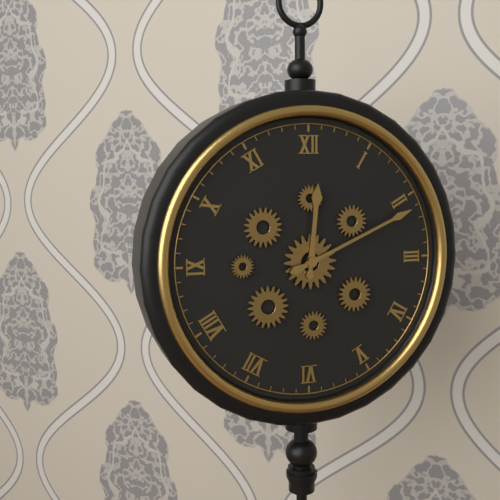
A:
**12:11**
